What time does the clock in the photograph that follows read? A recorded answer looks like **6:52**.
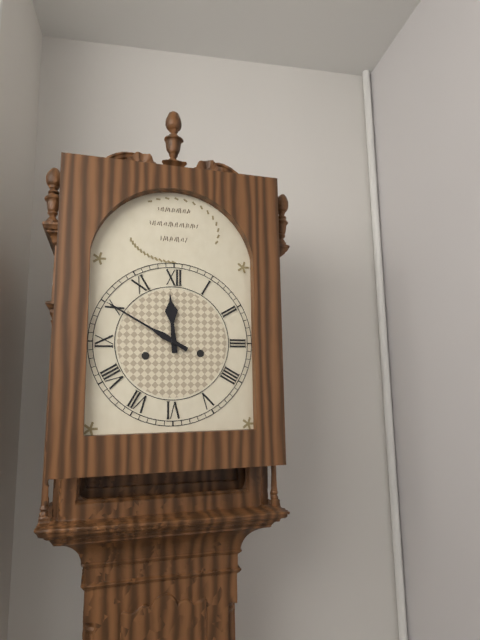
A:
**11:50**
